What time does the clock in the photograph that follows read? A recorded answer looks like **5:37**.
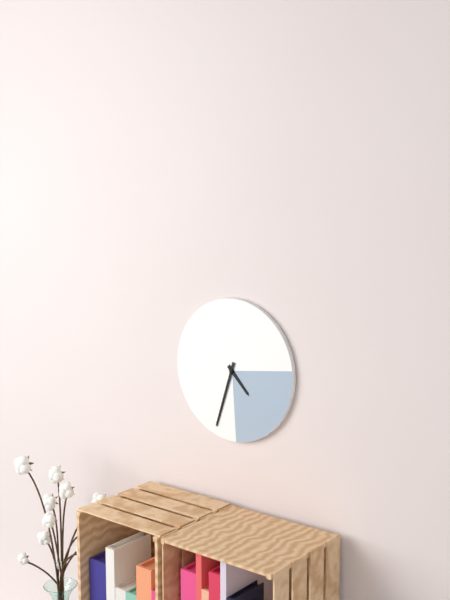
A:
**4:33**
